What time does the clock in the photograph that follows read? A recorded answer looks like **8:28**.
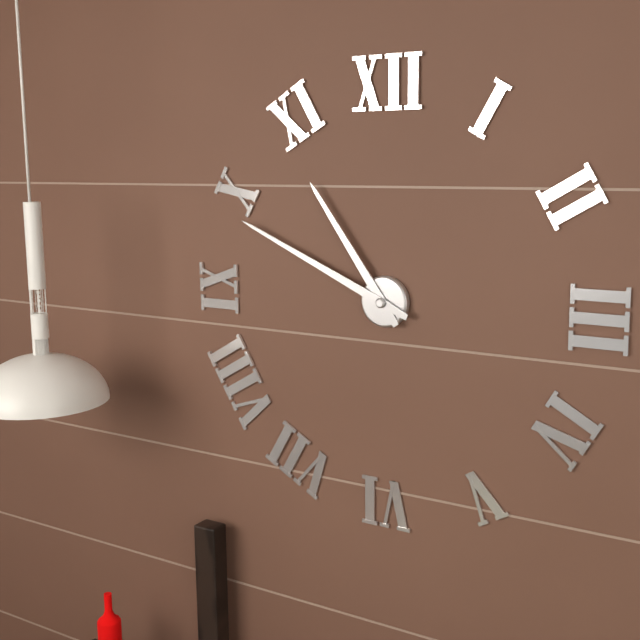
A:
**10:49**
